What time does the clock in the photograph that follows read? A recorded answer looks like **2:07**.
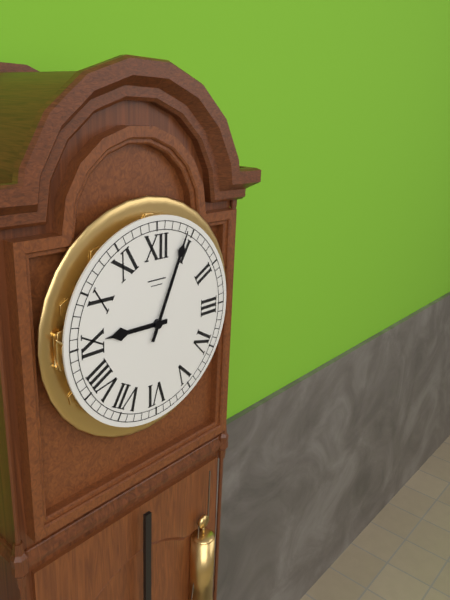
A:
**9:04**
